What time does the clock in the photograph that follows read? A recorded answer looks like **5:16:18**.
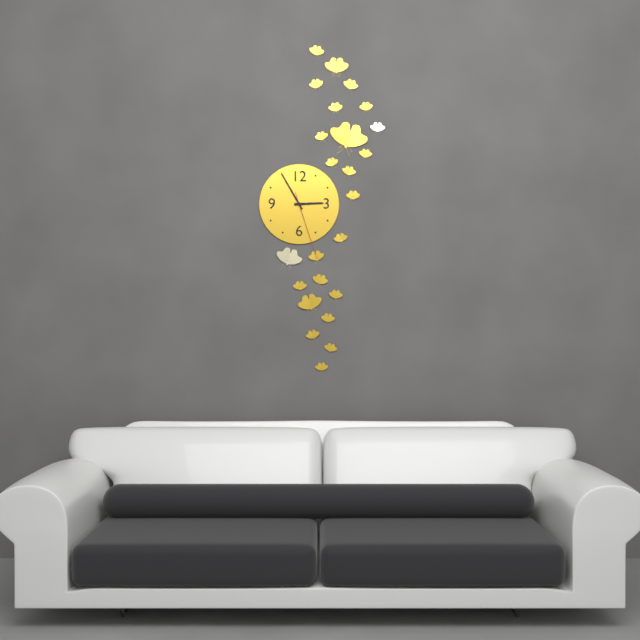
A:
**2:55:27**
